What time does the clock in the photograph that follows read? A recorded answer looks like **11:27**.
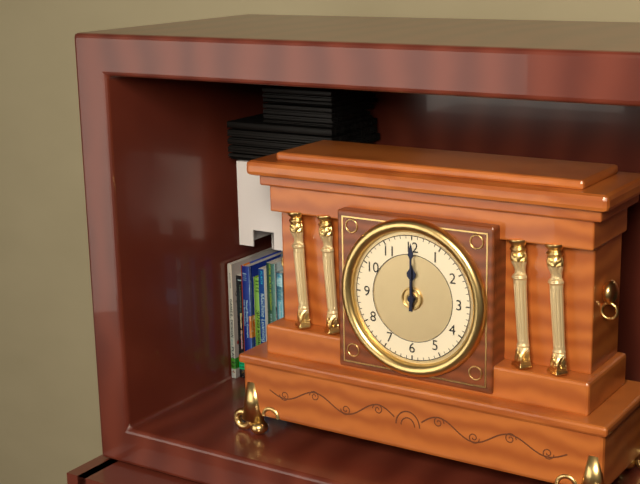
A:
**12:00**
